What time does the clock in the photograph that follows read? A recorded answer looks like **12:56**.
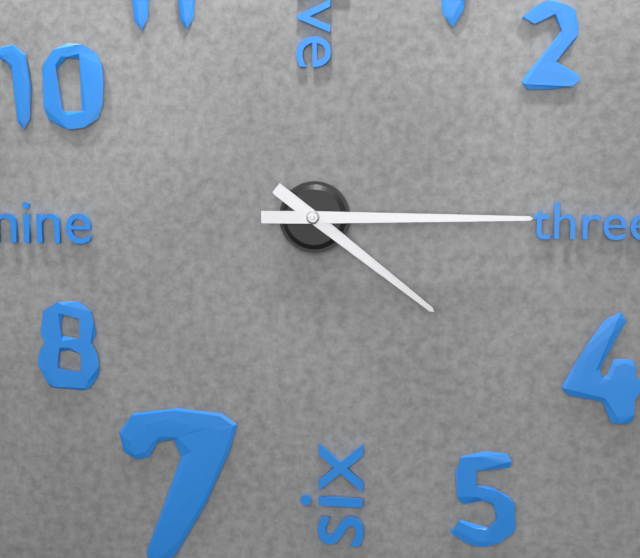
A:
**4:15**
